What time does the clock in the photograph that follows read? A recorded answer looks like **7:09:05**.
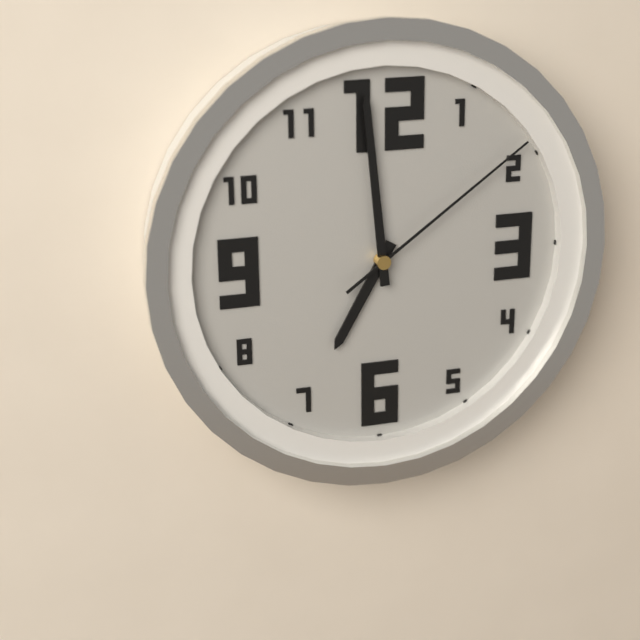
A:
**6:59:09**
